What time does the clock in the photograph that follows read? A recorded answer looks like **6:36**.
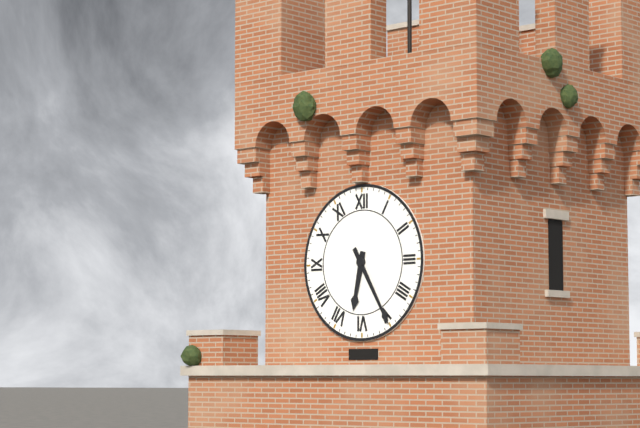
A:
**6:25**
